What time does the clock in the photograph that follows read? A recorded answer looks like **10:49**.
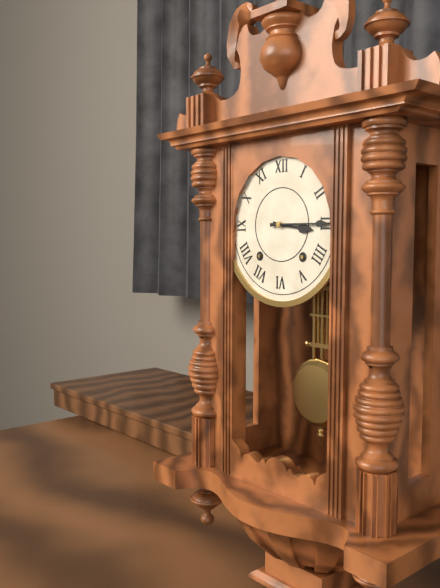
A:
**3:15**
